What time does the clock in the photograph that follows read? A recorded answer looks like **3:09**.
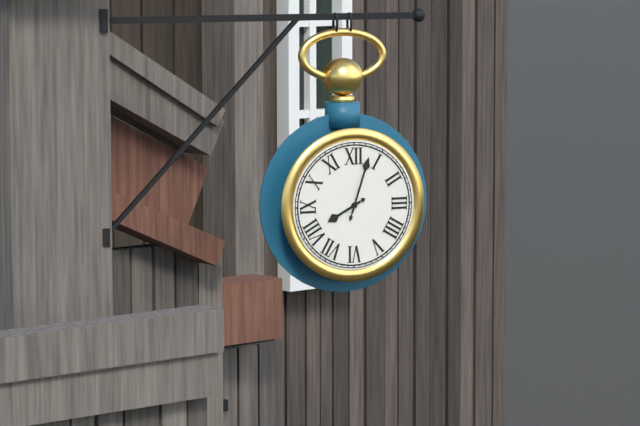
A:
**8:03**
